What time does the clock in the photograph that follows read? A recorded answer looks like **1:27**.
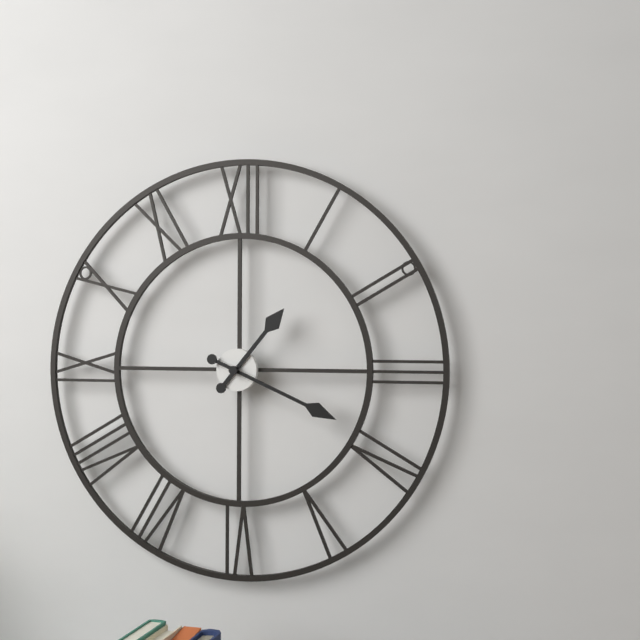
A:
**1:19**
